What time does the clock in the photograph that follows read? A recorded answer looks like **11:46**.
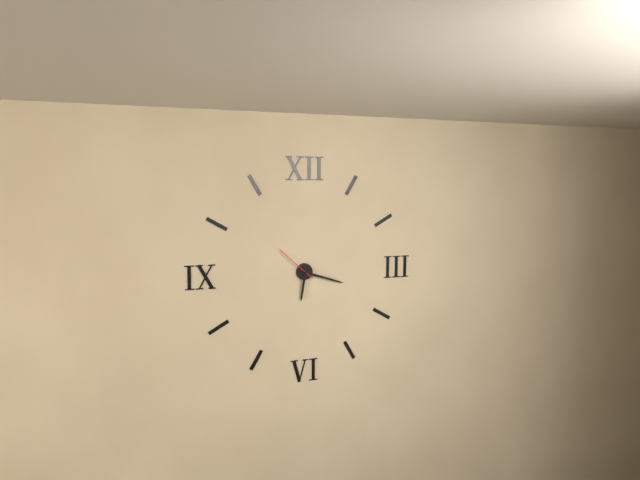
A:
**6:18**
